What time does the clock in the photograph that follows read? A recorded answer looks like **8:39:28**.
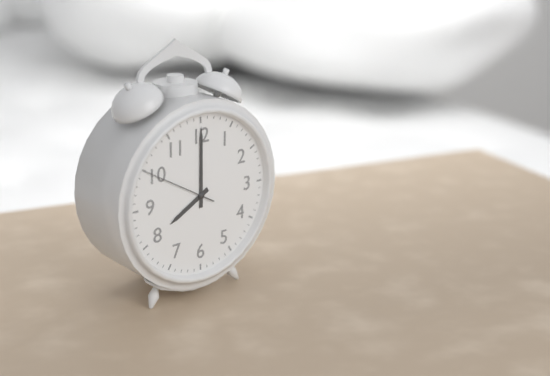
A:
**8:00:50**
